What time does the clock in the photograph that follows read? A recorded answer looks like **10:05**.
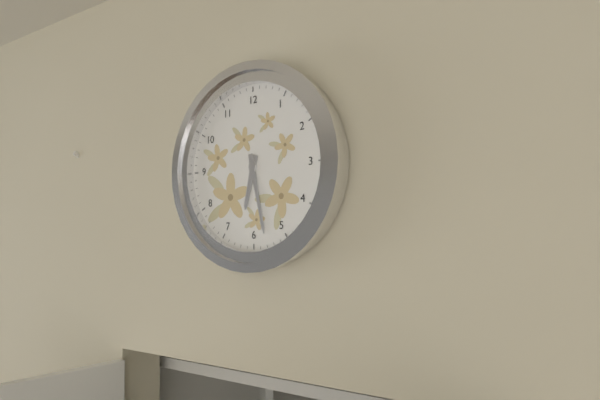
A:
**6:28**
